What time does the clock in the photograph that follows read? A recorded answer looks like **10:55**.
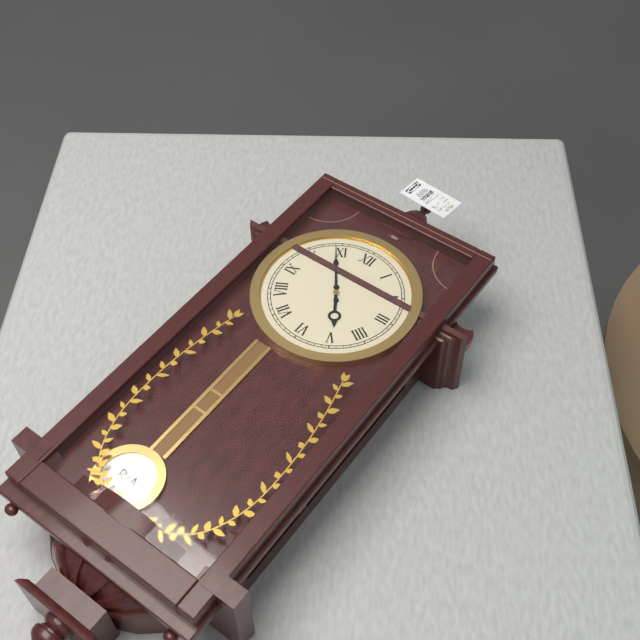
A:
**4:54**
